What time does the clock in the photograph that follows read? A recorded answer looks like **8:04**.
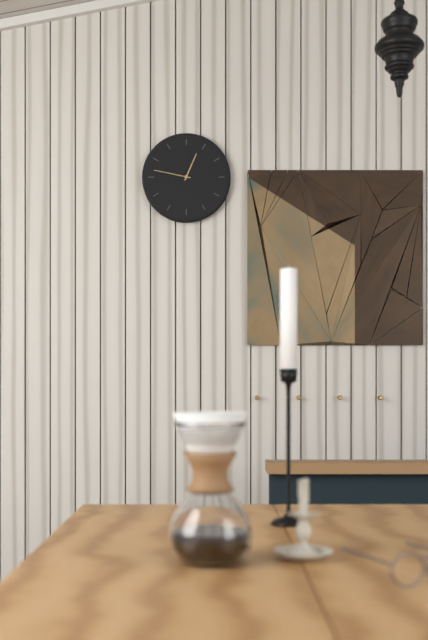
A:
**12:47**
